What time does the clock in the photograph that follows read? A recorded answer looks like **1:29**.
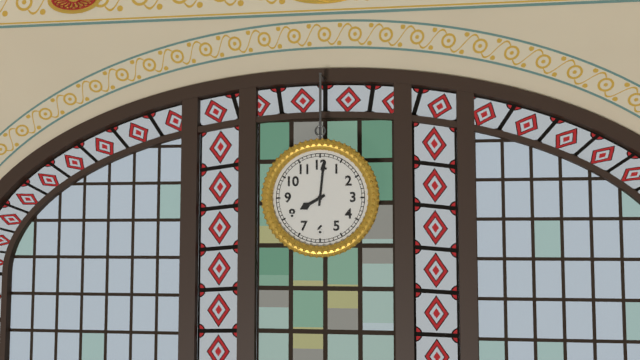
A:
**8:01**
